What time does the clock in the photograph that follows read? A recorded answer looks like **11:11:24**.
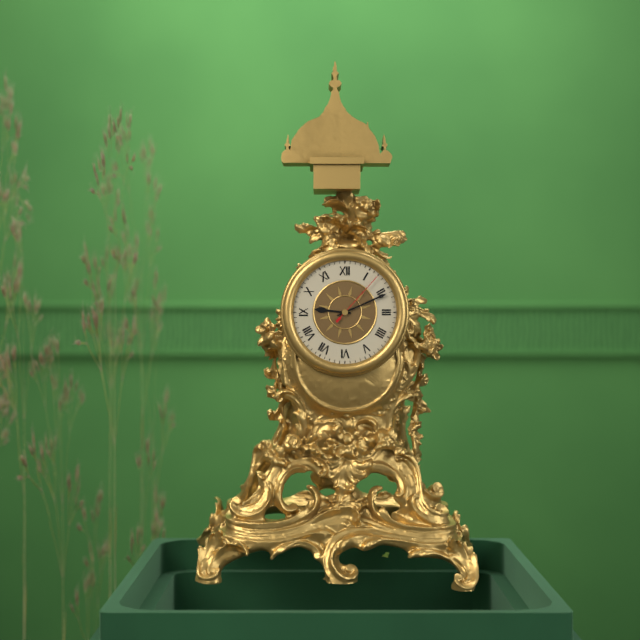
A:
**9:11:07**
